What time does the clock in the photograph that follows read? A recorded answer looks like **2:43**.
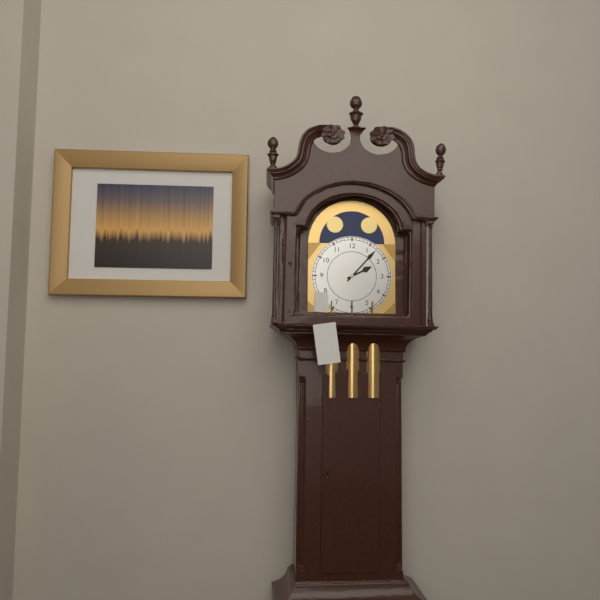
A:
**2:07**
